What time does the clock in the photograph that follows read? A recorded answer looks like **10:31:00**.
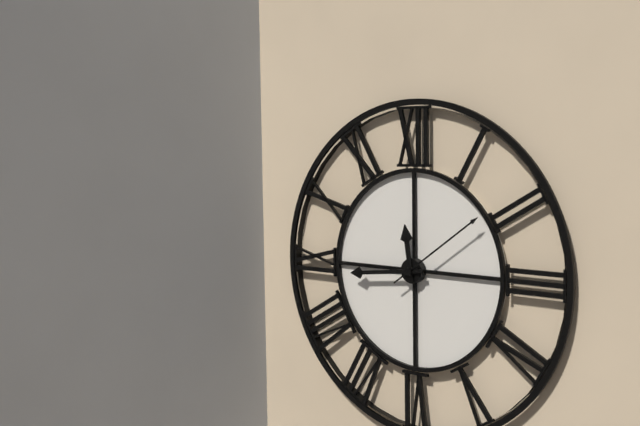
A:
**11:44:09**
